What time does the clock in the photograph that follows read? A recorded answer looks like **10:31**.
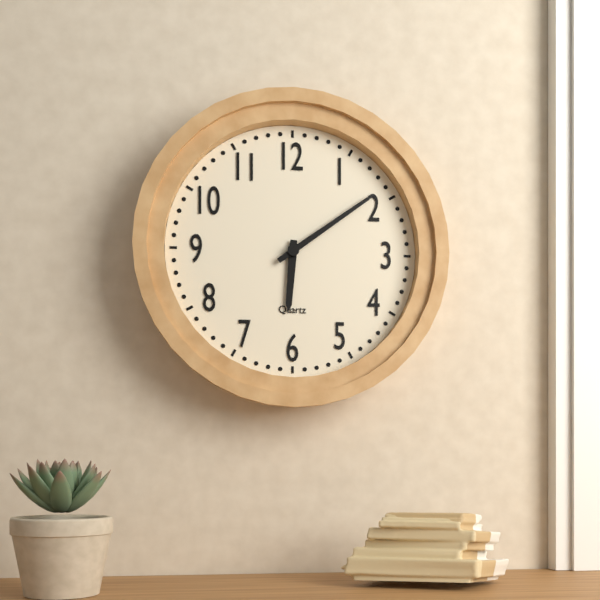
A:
**6:09**
